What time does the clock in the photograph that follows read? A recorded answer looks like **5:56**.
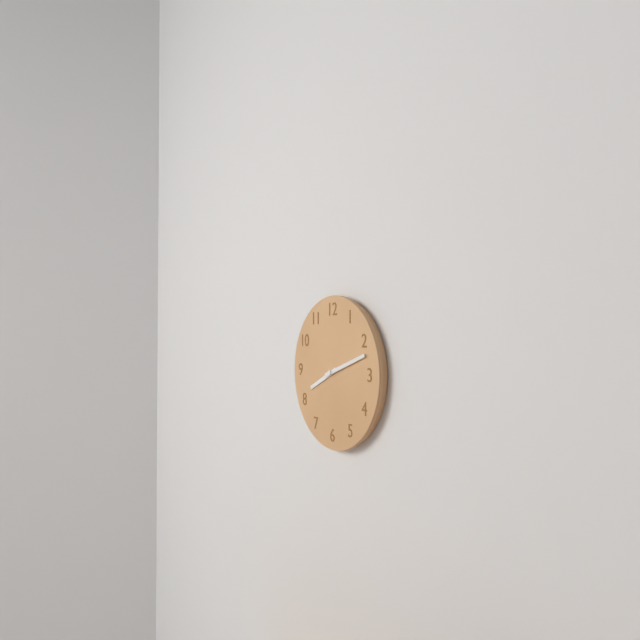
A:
**8:12**
